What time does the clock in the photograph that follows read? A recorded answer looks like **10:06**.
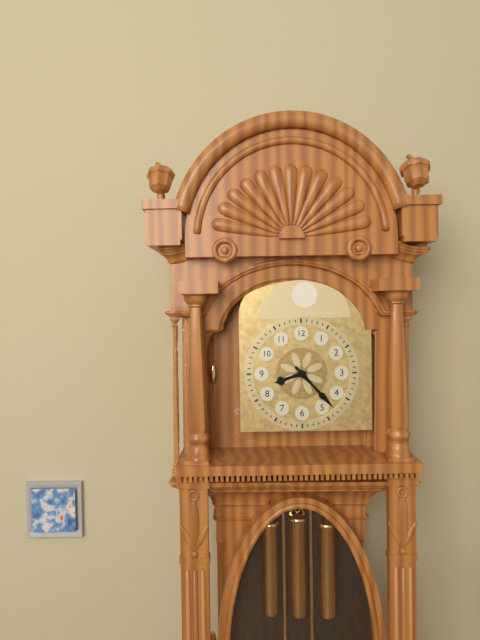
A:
**8:23**
